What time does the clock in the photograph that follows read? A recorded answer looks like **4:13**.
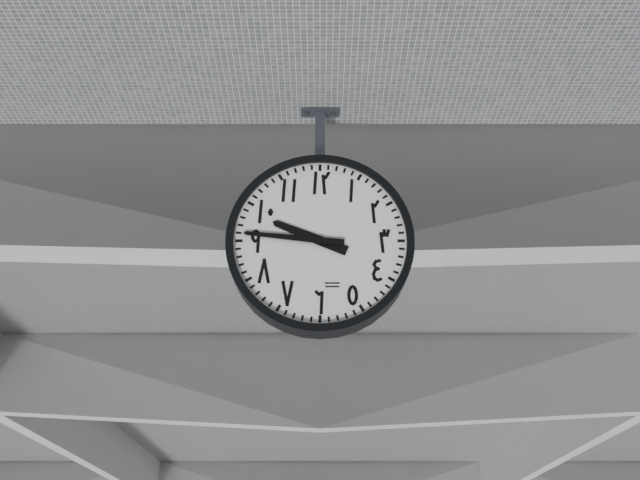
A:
**9:46**
